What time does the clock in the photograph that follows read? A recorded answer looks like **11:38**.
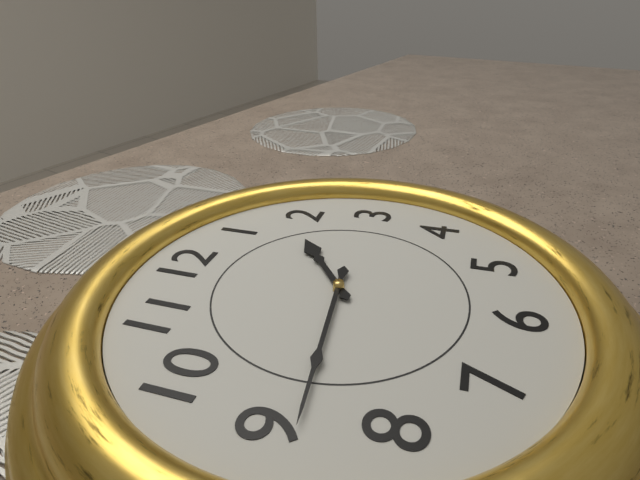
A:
**1:44**
